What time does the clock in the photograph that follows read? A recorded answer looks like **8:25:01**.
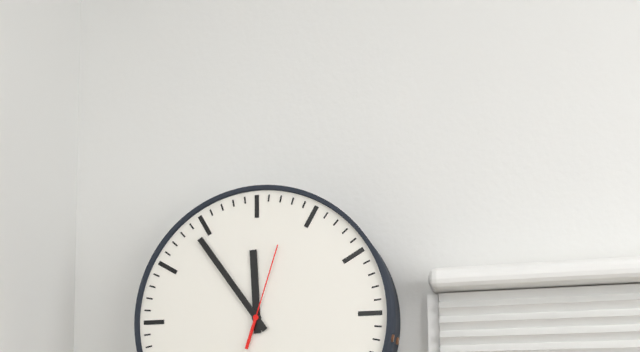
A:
**11:54:03**
